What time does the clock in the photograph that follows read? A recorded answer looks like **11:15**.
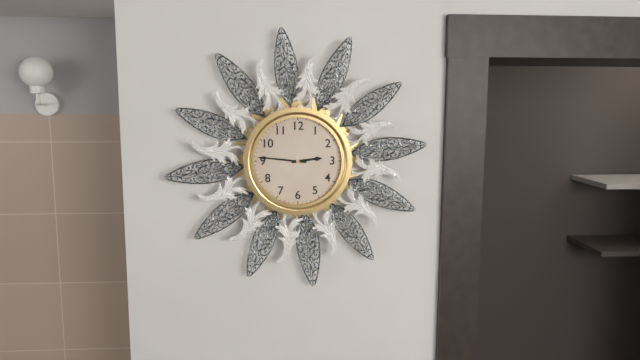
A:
**2:46**
